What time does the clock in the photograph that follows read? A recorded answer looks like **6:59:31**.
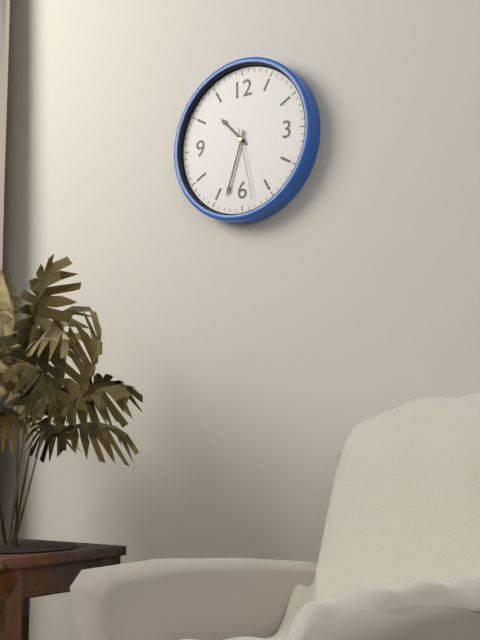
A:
**10:33:28**
